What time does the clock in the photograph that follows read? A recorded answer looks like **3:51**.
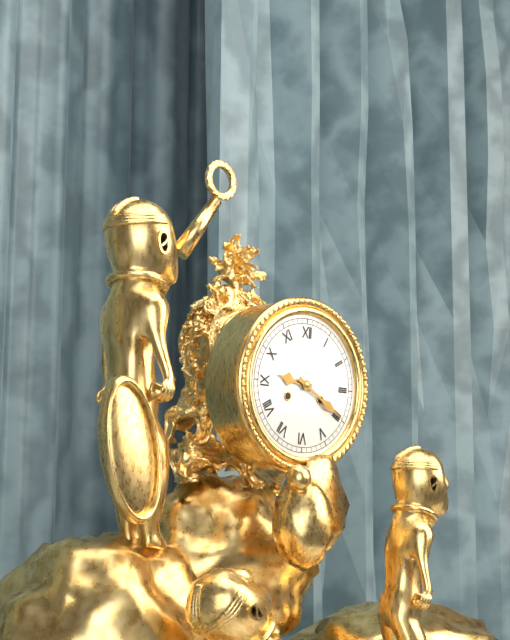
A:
**9:20**
